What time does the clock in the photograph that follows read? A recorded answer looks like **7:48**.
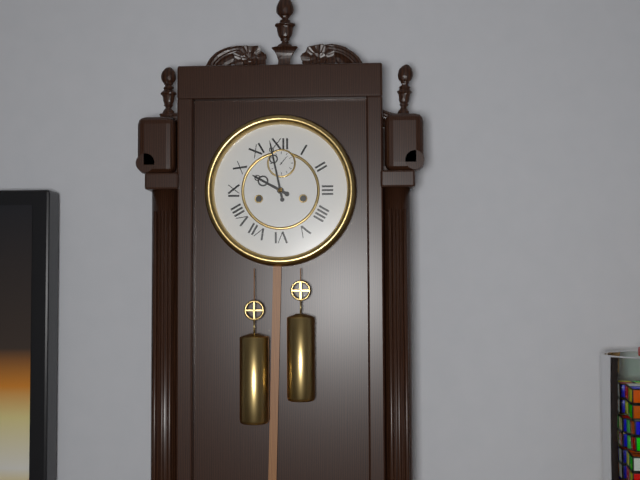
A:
**9:58**
